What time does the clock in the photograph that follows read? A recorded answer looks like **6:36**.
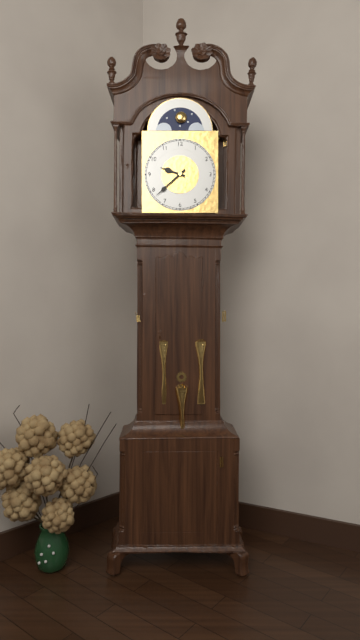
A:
**9:38**
